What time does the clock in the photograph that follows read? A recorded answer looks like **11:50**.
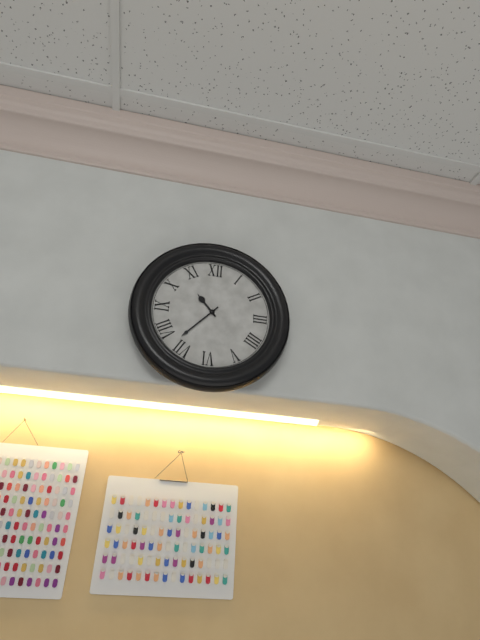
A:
**10:37**
